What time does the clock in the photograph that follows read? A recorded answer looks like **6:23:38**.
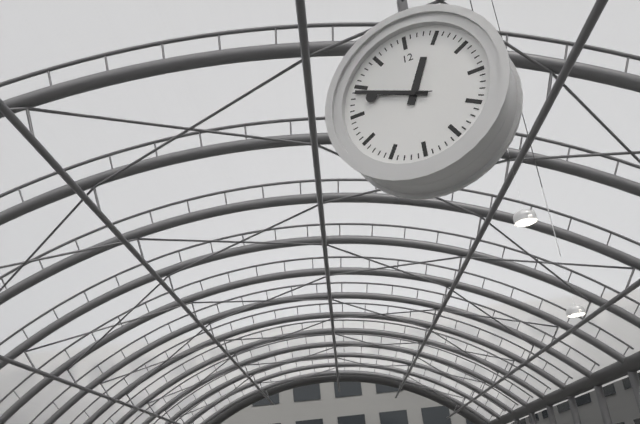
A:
**12:49:48**
